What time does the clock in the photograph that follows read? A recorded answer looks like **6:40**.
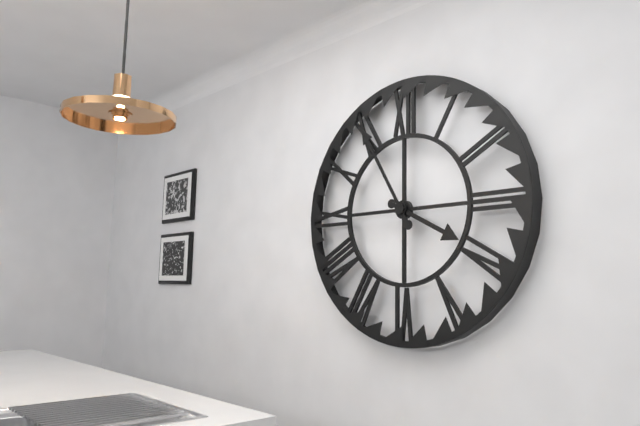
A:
**3:55**
